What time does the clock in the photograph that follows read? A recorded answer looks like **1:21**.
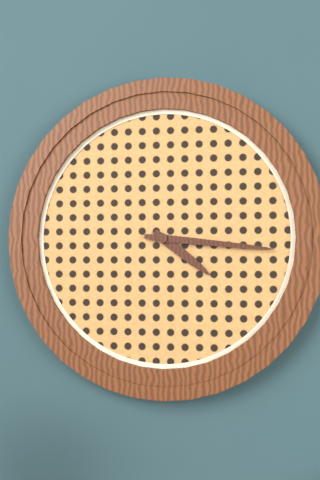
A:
**4:16**
